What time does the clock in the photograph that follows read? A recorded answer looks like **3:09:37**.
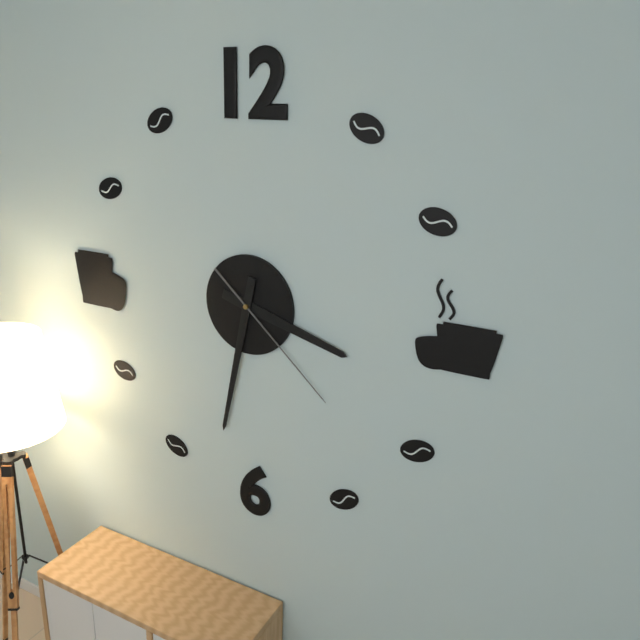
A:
**3:32:22**
